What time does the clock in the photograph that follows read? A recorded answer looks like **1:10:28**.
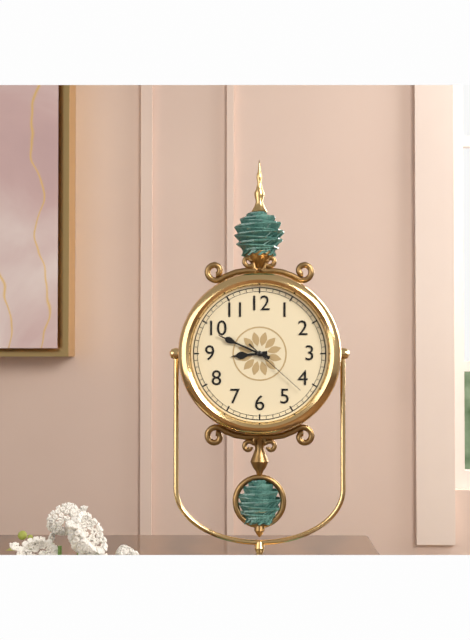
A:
**8:49:22**
